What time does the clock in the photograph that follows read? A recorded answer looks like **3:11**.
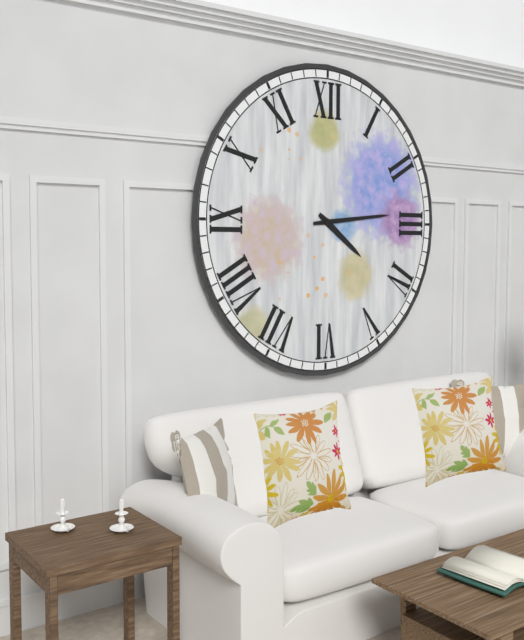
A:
**4:14**
